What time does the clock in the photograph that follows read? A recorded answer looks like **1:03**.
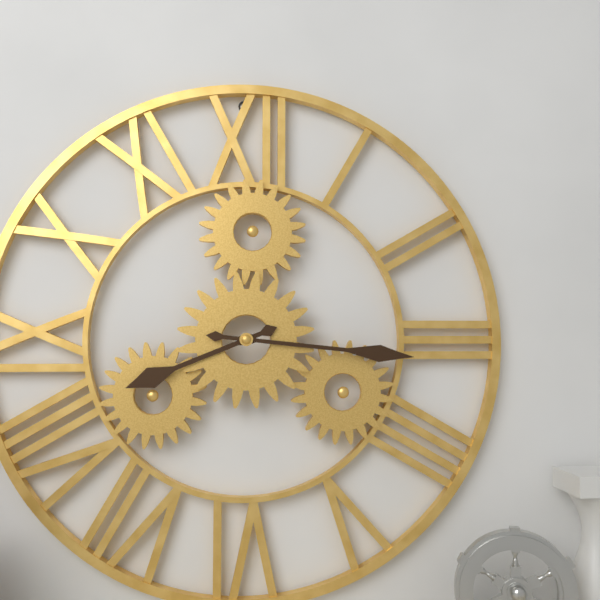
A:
**8:16**
